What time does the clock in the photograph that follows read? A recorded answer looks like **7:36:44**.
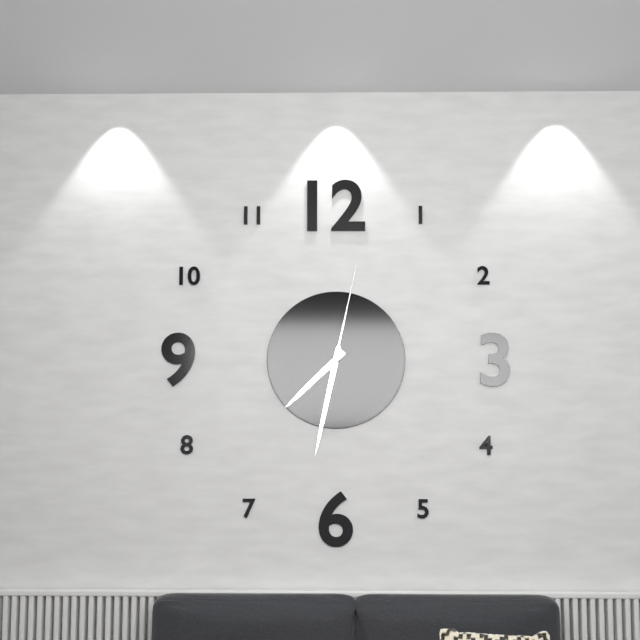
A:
**7:32:02**
